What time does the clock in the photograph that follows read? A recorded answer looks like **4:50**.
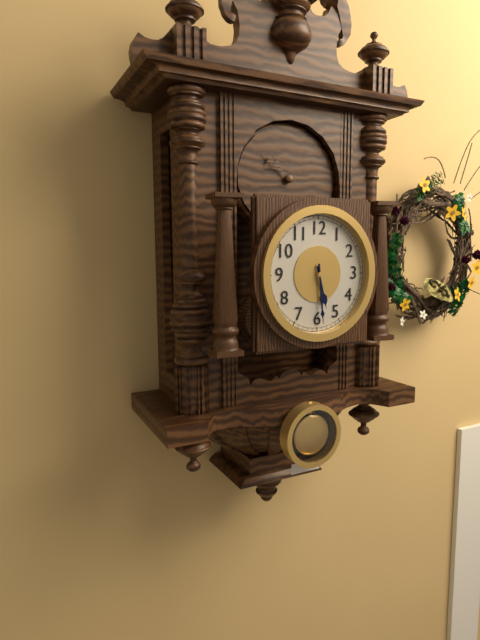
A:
**5:29**
